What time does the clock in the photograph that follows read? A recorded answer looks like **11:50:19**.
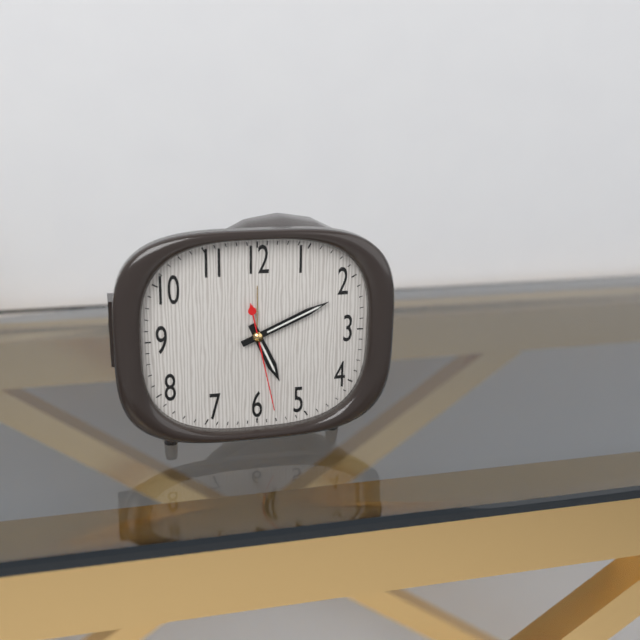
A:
**5:11:28**
